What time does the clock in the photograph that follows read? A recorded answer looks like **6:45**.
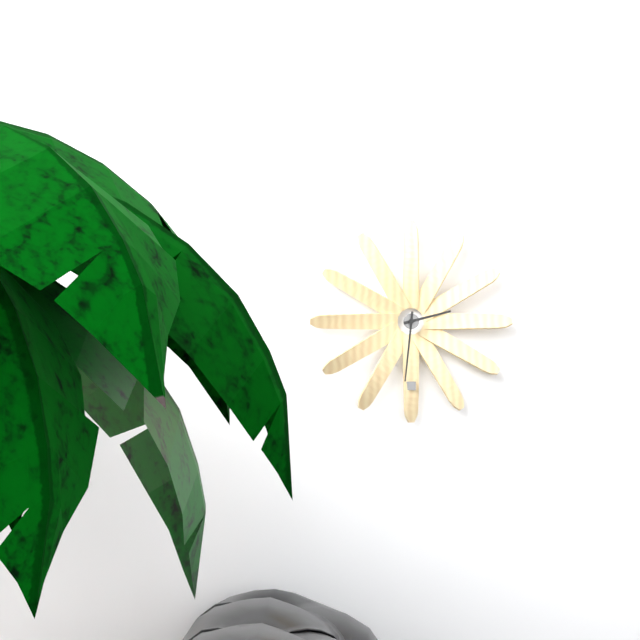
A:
**2:31**
